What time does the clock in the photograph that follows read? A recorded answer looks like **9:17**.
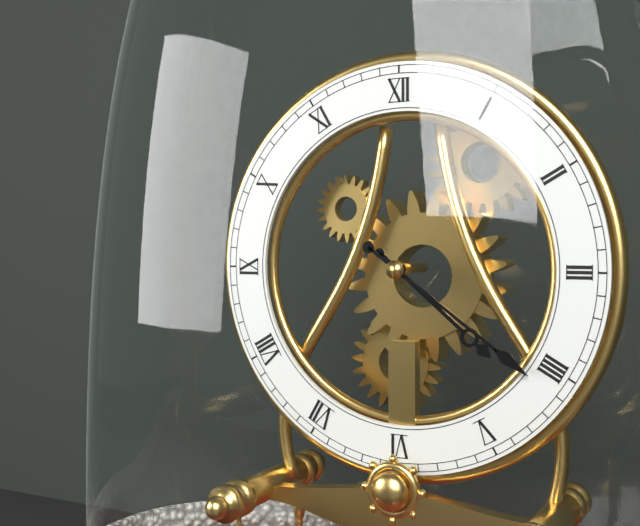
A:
**4:21**
